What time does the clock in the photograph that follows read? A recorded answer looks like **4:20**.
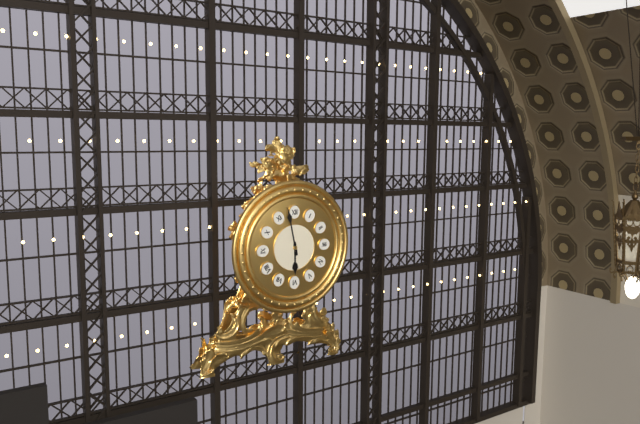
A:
**5:58**
